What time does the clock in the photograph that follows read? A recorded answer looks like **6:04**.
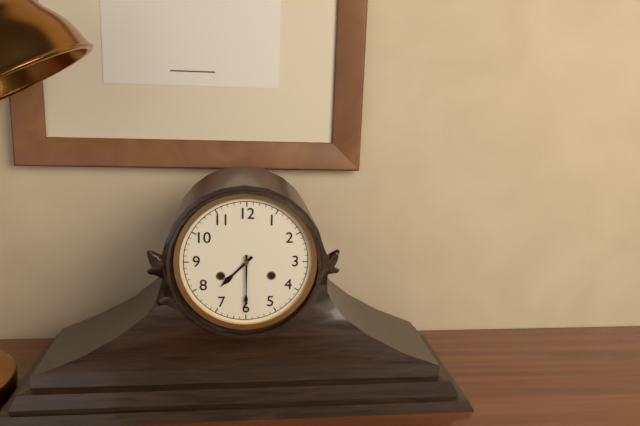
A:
**7:30**
